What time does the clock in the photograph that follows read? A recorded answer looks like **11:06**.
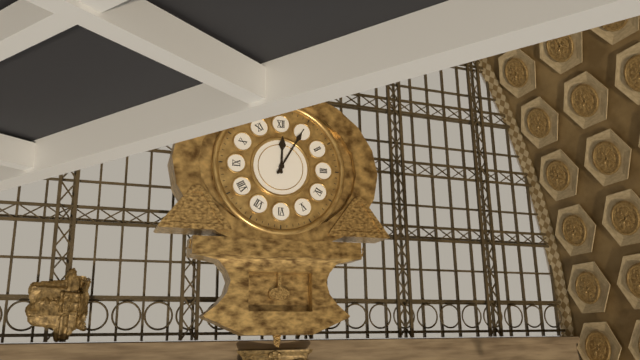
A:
**12:05**
